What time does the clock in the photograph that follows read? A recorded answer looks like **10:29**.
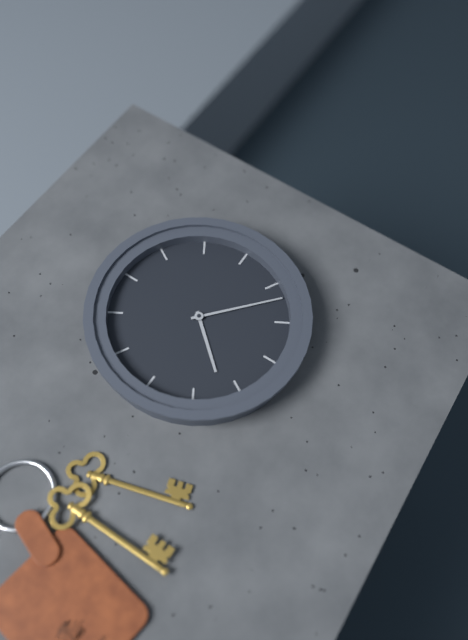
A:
**7:22**
